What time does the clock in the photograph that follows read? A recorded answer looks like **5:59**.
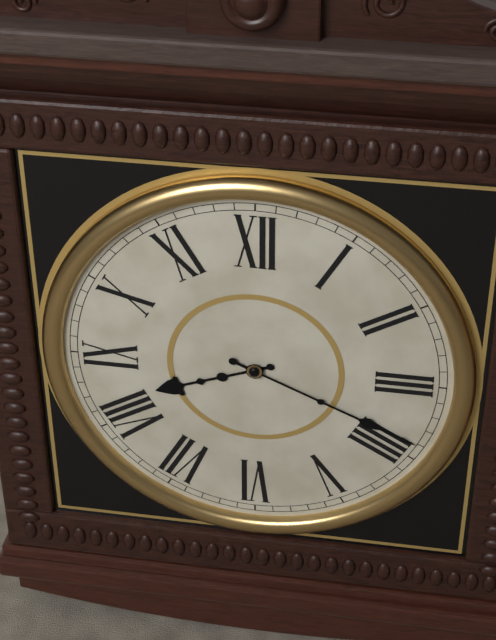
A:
**8:19**
